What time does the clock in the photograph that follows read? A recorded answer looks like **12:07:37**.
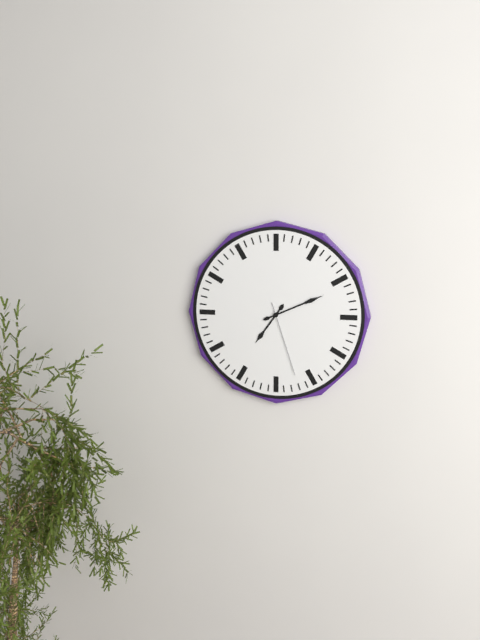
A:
**7:11:27**
